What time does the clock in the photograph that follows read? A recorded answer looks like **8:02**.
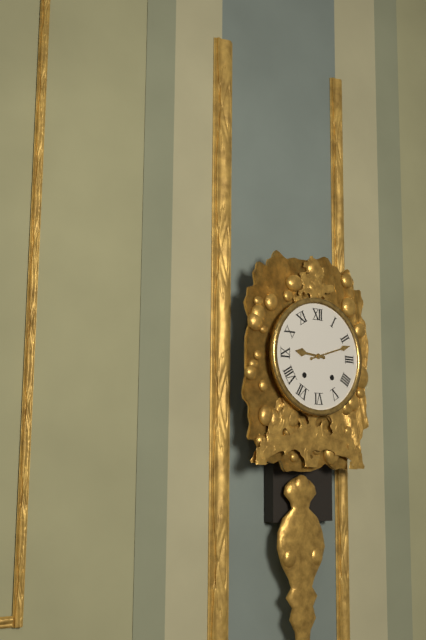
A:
**9:12**
